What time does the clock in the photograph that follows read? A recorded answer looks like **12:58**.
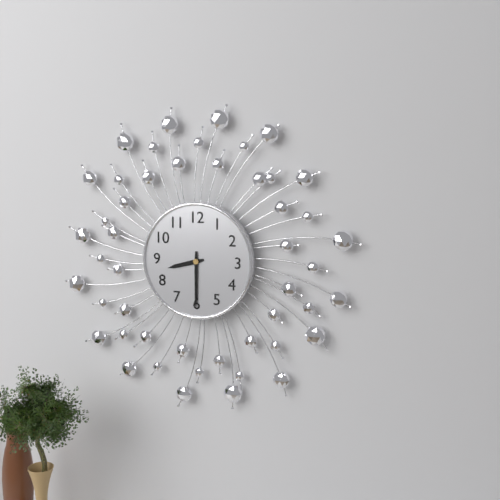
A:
**8:30**
